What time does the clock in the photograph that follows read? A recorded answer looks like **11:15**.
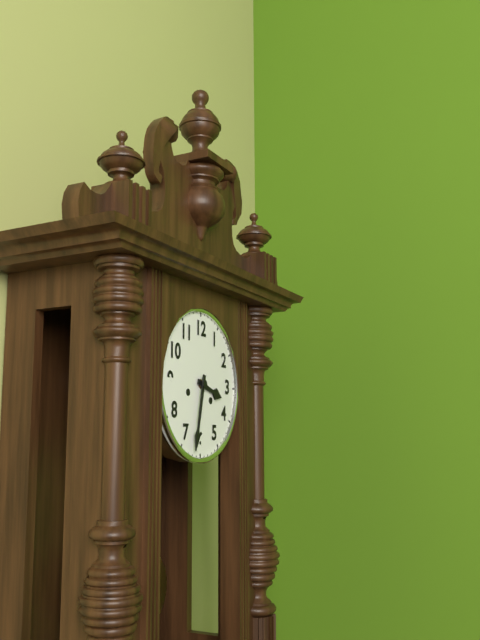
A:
**3:32**
